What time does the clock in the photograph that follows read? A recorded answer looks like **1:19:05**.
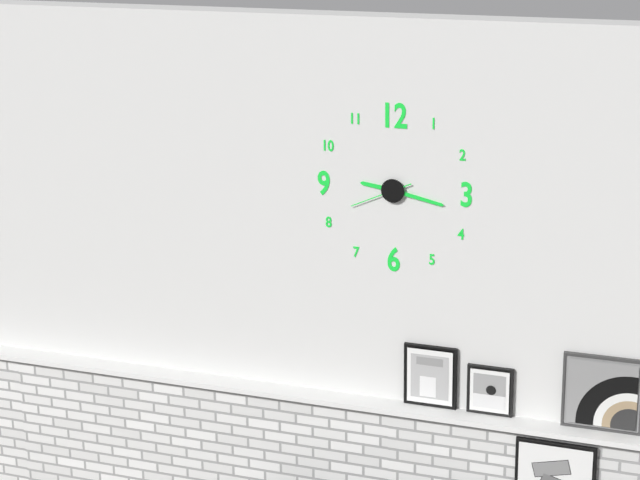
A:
**9:17:41**
